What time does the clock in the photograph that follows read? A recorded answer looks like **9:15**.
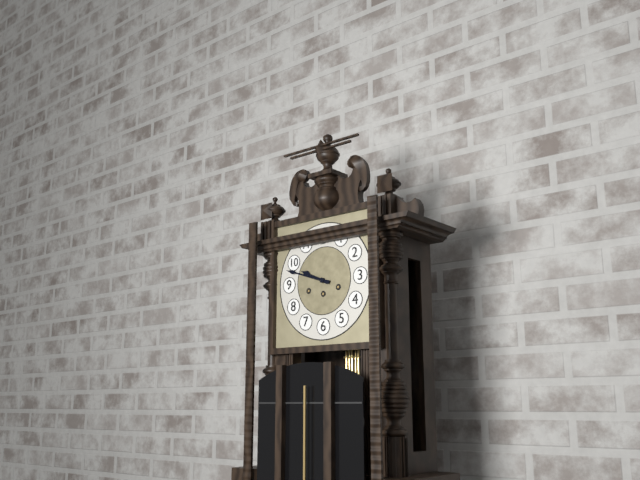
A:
**9:48**
